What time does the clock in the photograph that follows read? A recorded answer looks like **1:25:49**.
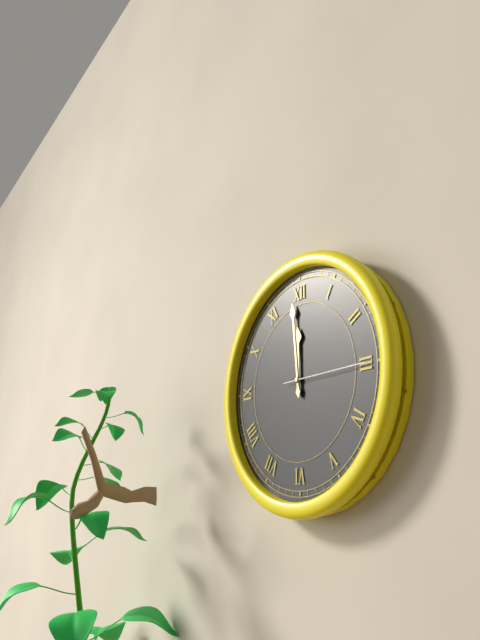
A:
**11:59:15**
